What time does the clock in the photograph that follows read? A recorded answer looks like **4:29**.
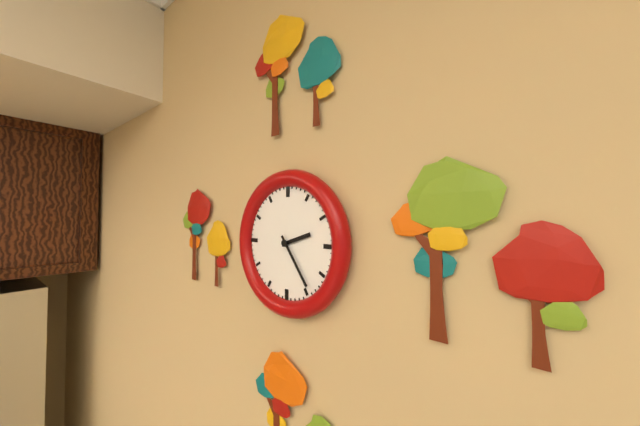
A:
**2:24**
